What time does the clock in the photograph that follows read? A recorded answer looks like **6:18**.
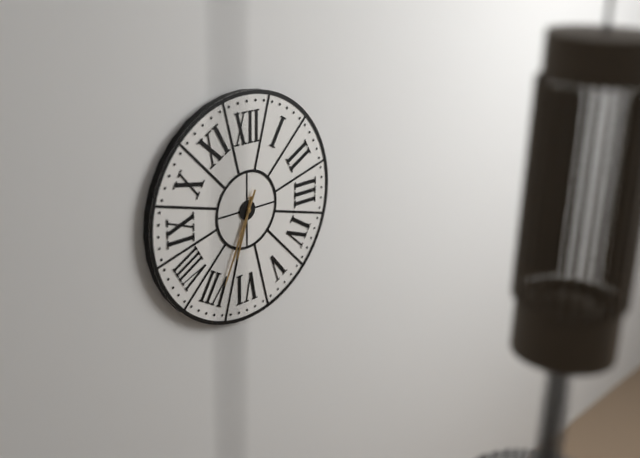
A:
**6:34**
